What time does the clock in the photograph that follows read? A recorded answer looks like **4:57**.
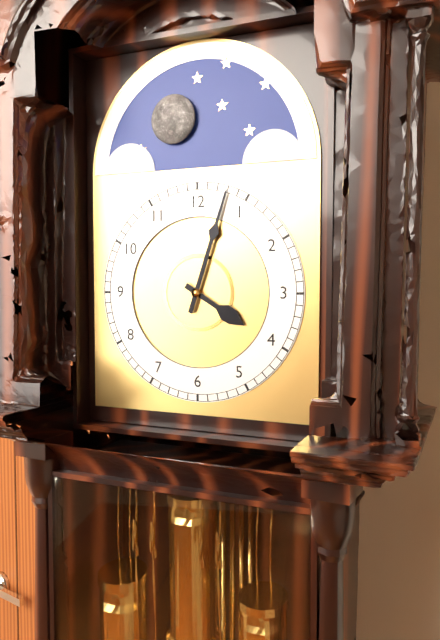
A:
**4:03**
